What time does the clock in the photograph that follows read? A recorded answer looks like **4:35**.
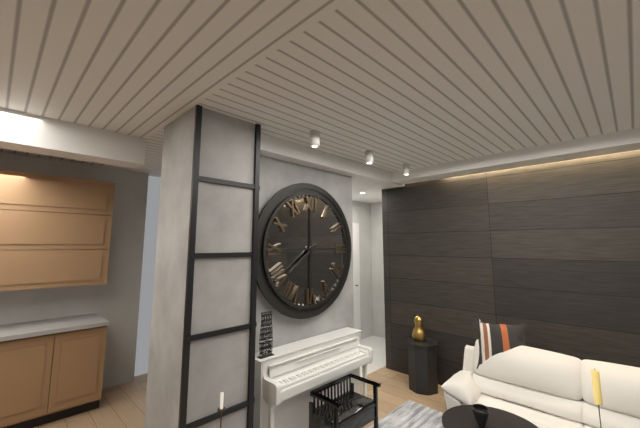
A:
**7:39**
